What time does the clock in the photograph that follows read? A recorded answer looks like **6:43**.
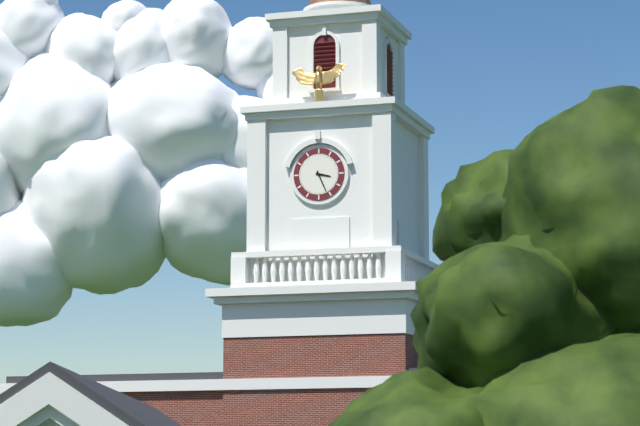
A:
**3:26**
